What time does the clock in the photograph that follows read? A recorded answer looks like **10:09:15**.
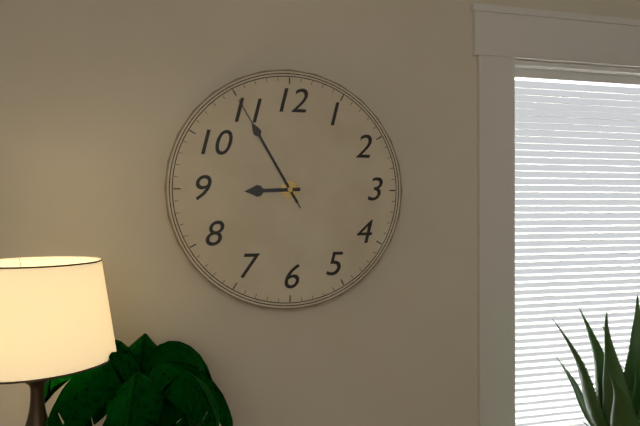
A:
**8:55:55**
